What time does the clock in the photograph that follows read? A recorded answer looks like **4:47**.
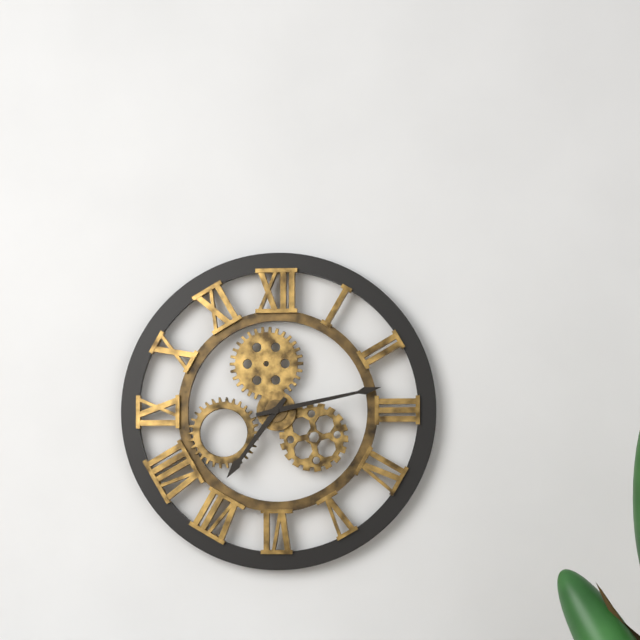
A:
**7:13**
